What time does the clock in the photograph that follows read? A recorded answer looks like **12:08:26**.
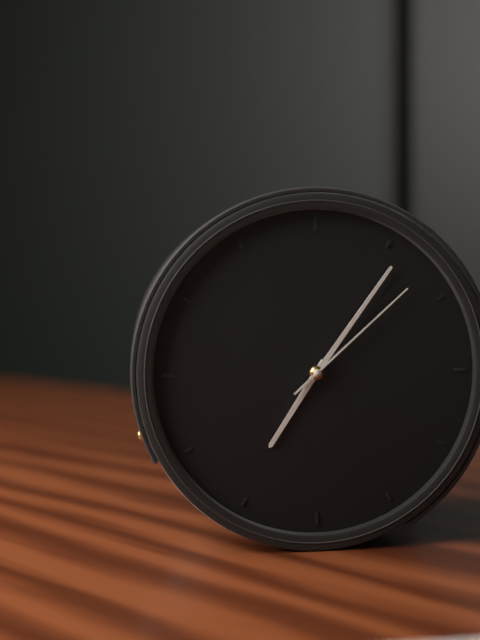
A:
**7:06:08**
